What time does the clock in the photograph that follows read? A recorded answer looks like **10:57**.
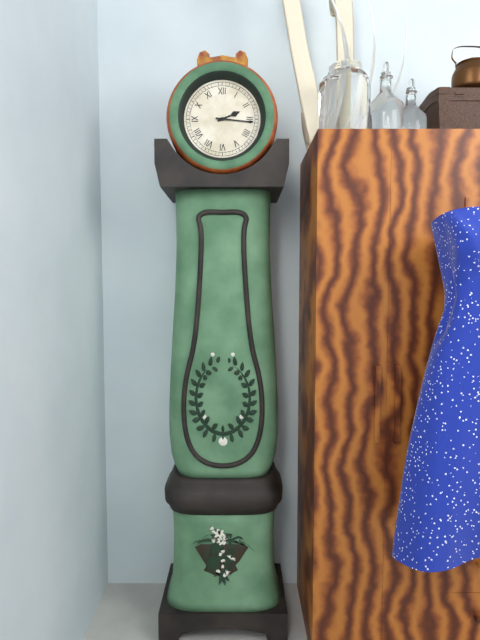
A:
**2:16**
